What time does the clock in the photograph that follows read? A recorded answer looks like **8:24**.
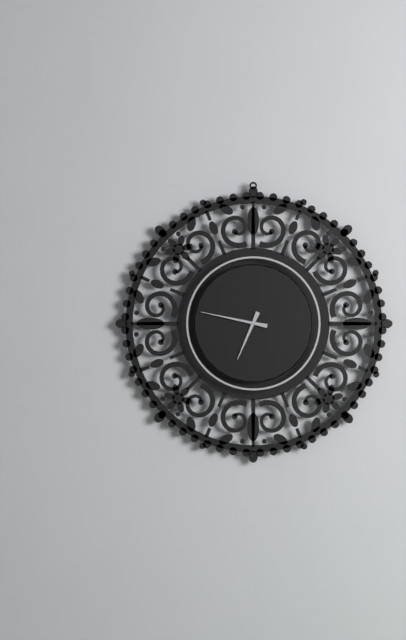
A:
**6:47**
